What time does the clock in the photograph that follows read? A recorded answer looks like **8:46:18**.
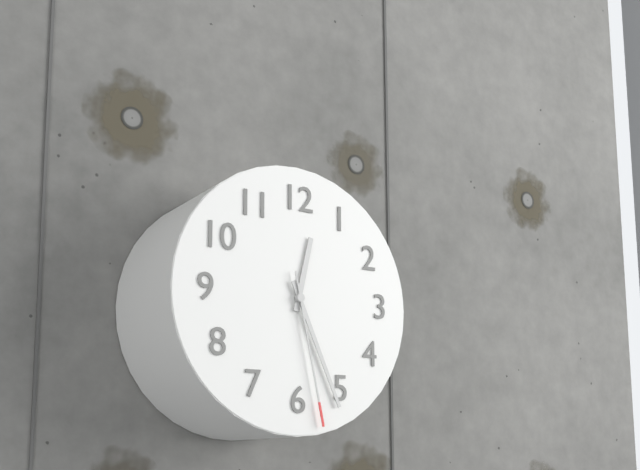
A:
**12:26:28**
